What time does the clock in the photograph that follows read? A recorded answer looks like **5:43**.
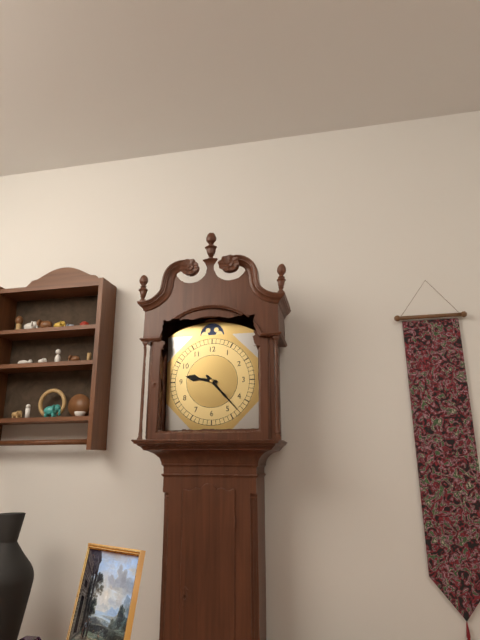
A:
**9:23**
